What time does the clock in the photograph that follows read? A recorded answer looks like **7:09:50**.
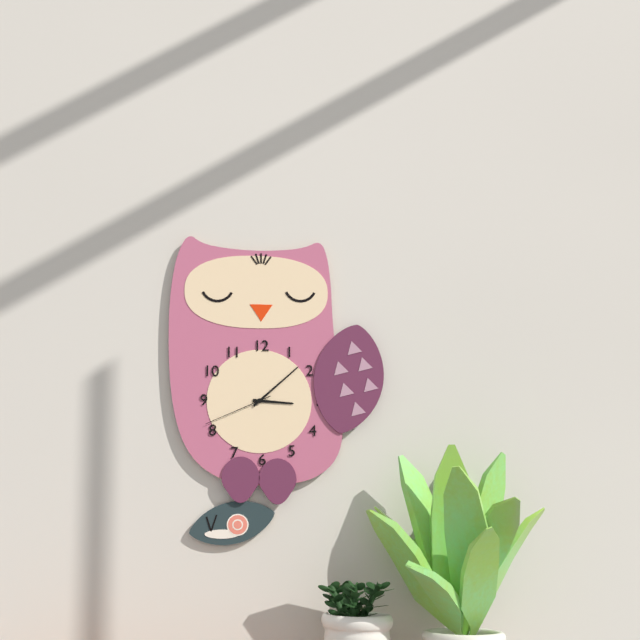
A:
**3:08:41**
